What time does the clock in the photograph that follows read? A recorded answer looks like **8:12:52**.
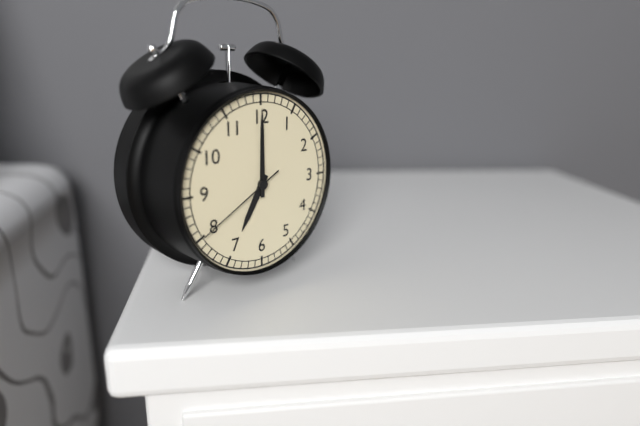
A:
**7:00:40**
